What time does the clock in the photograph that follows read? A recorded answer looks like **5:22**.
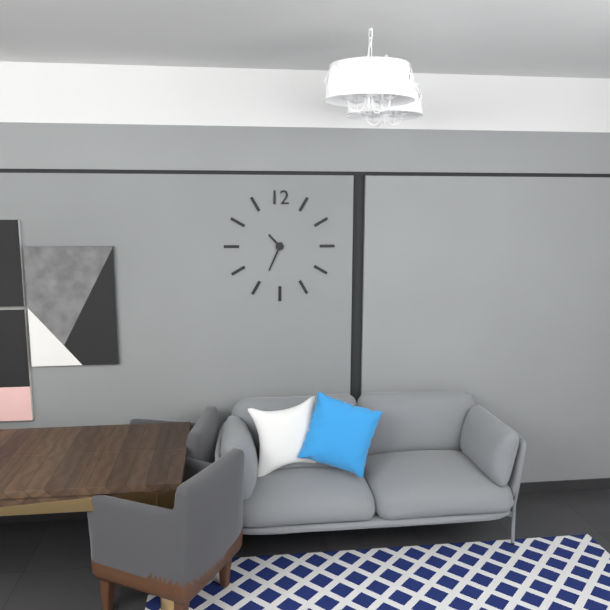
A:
**10:34**
